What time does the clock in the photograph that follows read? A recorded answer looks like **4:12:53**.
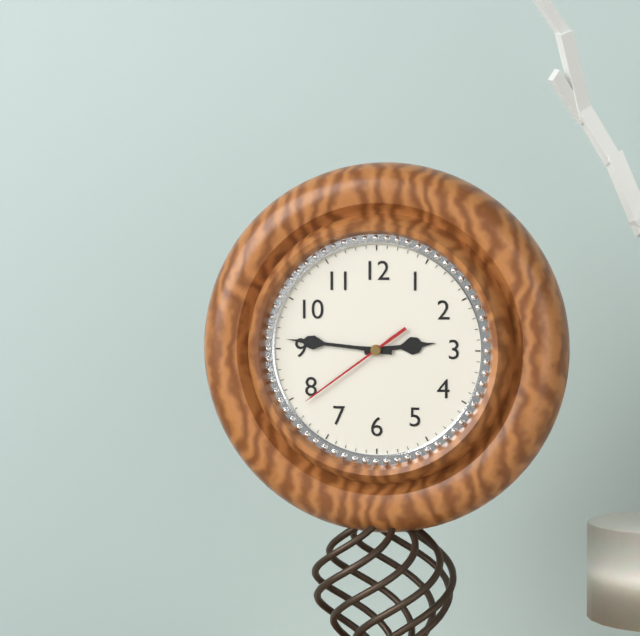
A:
**2:46:39**
